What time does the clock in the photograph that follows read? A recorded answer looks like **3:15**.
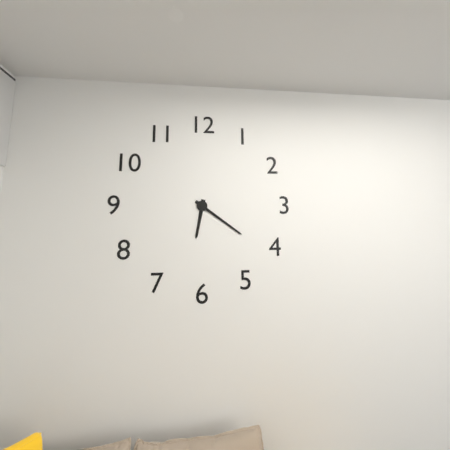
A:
**6:21**
